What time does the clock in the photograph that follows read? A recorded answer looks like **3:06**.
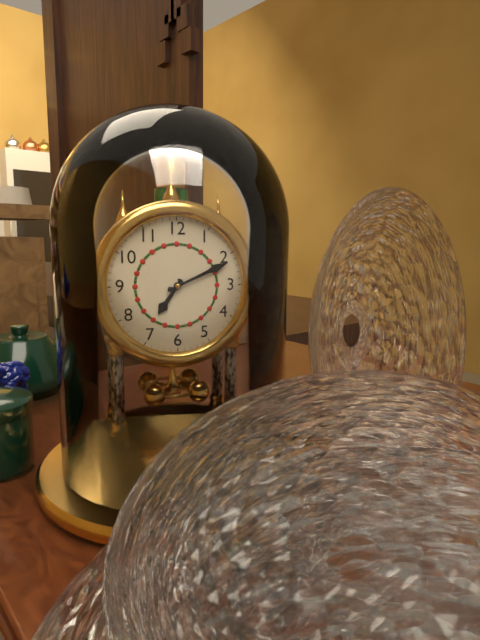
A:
**7:11**
